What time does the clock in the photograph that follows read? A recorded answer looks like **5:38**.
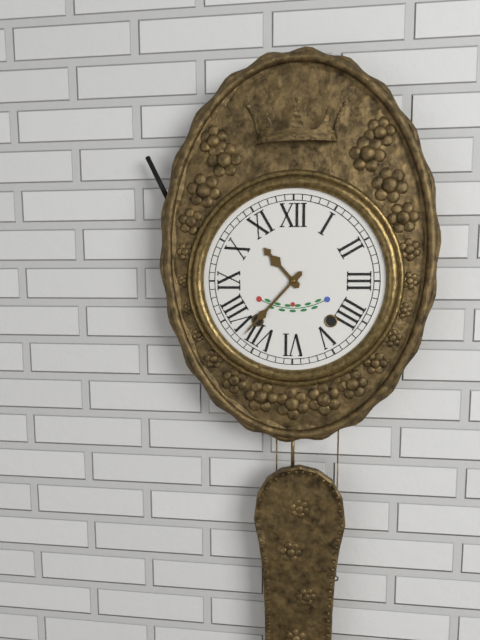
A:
**10:37**
